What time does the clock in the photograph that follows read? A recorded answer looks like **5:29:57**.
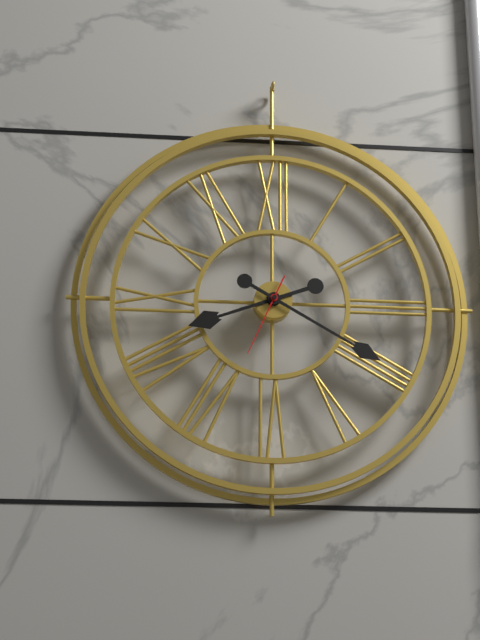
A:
**8:20:34**
